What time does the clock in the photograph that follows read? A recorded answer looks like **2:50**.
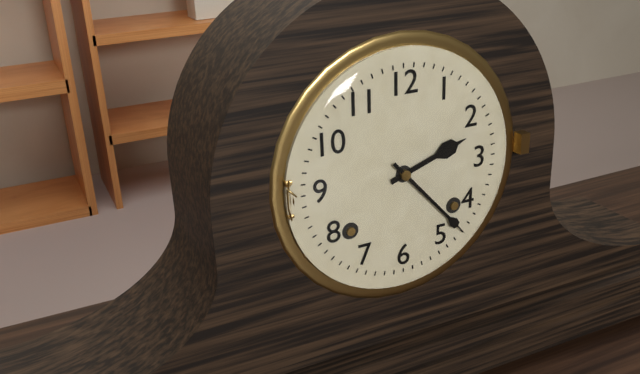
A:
**2:23**
